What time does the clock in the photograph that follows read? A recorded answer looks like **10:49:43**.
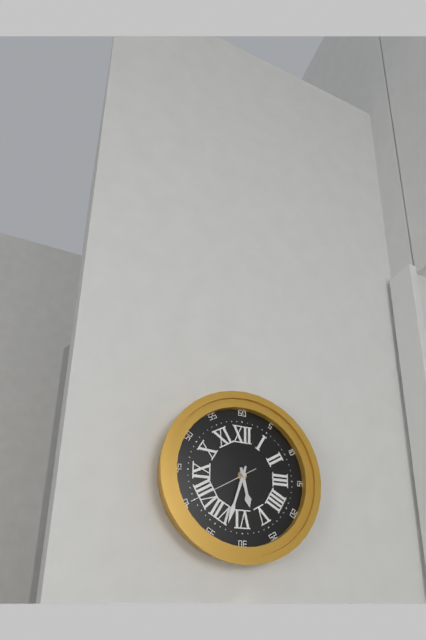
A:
**5:33:40**
